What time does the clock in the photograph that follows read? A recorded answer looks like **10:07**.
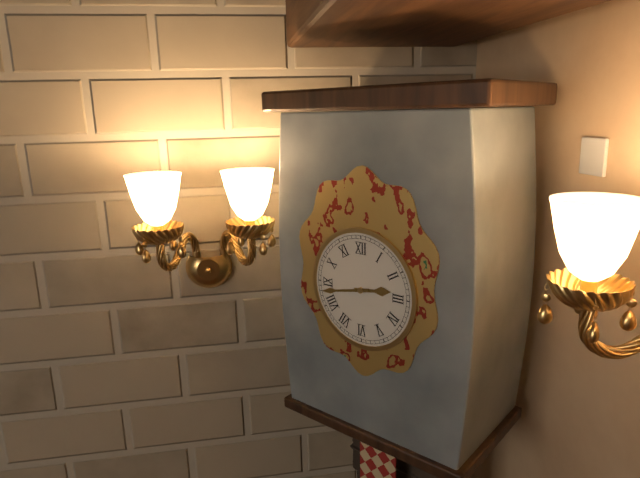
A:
**2:43**
